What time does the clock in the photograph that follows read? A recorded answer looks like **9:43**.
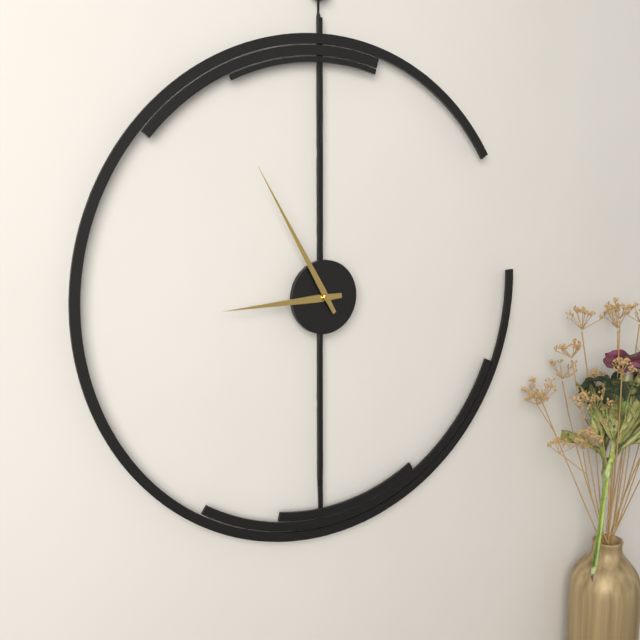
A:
**8:55**
